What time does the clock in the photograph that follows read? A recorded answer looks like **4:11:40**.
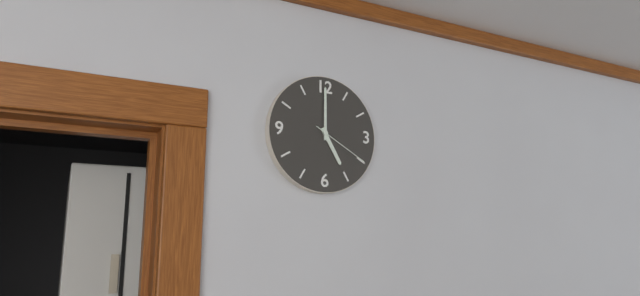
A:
**5:00:20**
